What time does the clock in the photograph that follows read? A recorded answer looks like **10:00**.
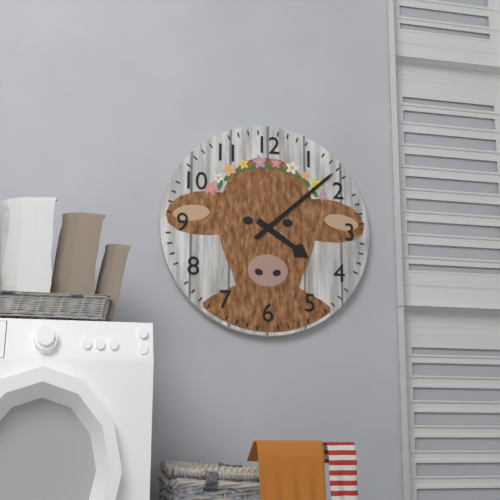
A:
**4:08**
